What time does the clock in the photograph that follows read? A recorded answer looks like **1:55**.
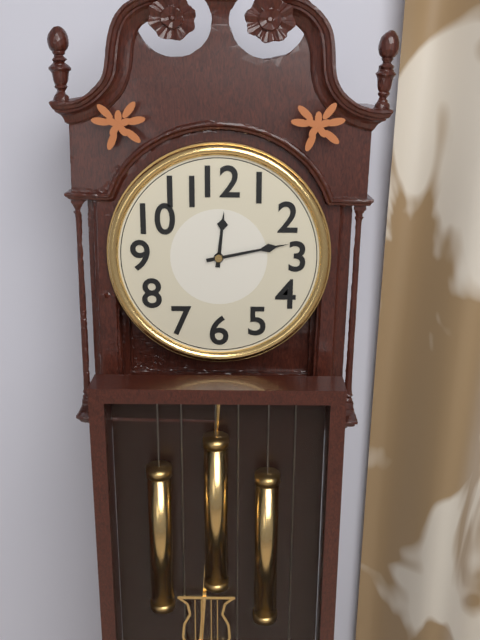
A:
**12:13**
